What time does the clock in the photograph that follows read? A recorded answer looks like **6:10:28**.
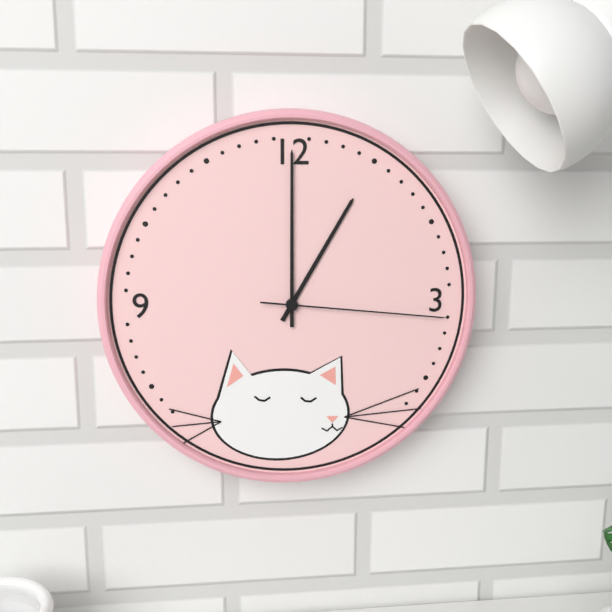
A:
**1:00:16**
